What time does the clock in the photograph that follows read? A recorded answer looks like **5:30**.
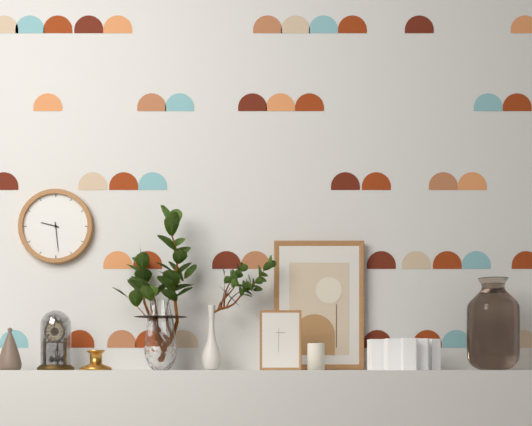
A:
**9:29**
